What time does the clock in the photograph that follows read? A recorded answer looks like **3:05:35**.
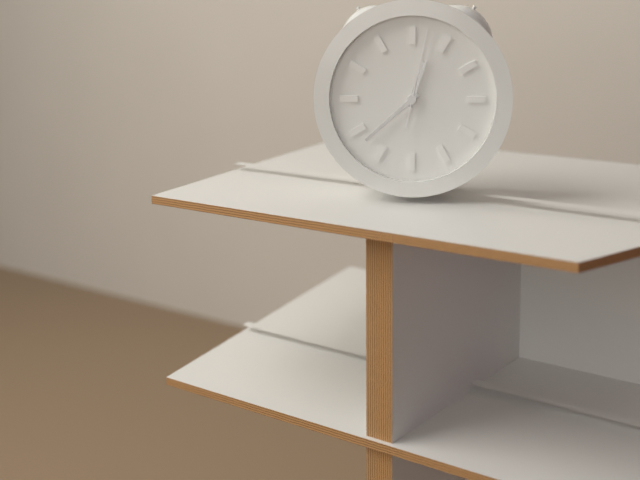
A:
**12:38:02**
